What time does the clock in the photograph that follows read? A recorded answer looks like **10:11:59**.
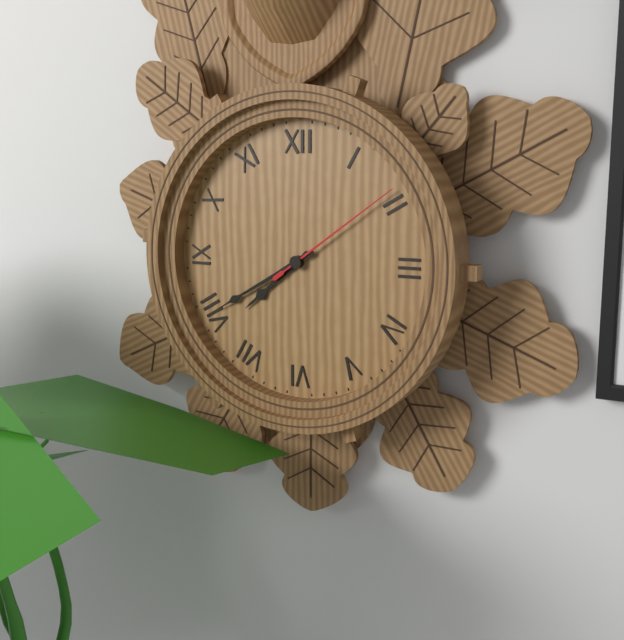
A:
**7:40:09**
